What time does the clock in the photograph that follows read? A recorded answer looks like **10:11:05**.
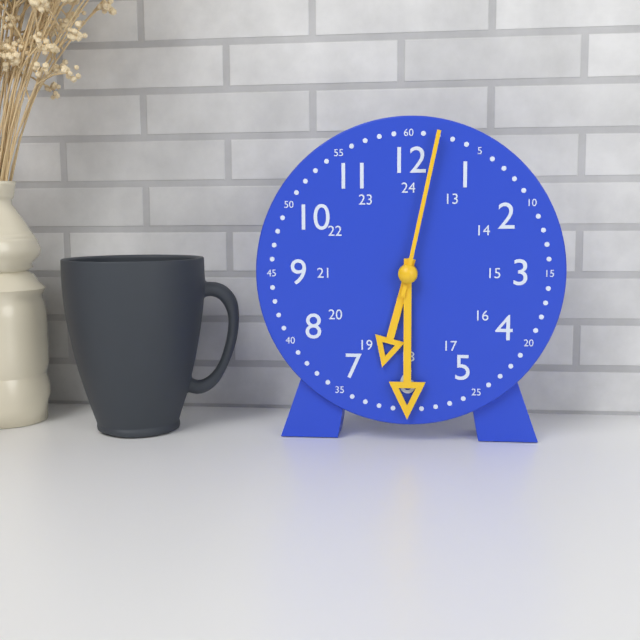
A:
**6:30:02**
